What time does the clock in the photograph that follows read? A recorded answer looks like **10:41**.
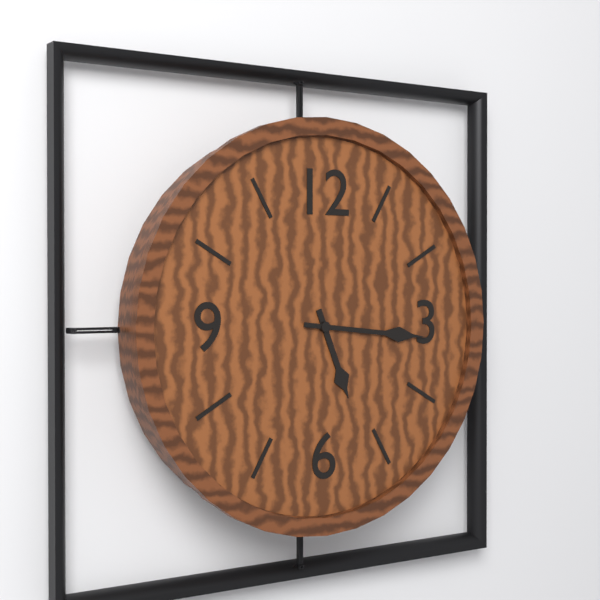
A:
**5:16**
